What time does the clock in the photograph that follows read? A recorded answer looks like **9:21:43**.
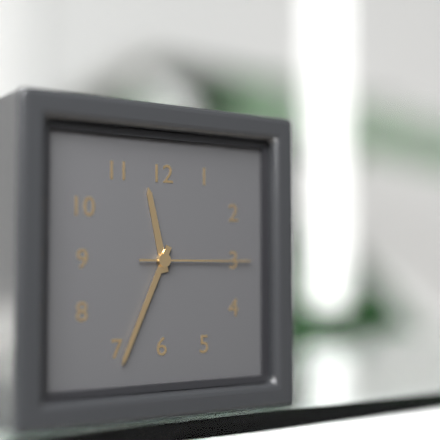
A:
**11:34:15**
